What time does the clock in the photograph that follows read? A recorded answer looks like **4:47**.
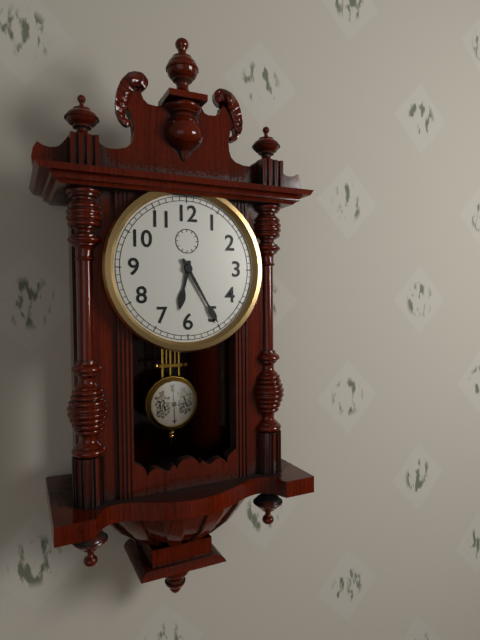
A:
**6:25**
